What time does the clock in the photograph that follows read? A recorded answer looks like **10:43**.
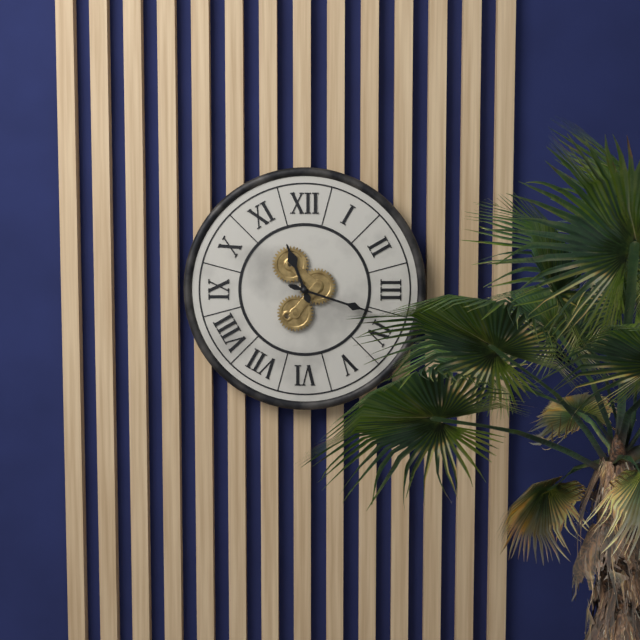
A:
**11:18**
